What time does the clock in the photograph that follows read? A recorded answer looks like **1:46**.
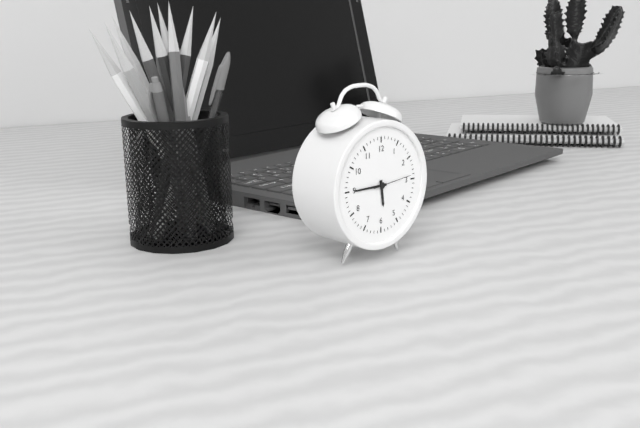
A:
**5:45**
